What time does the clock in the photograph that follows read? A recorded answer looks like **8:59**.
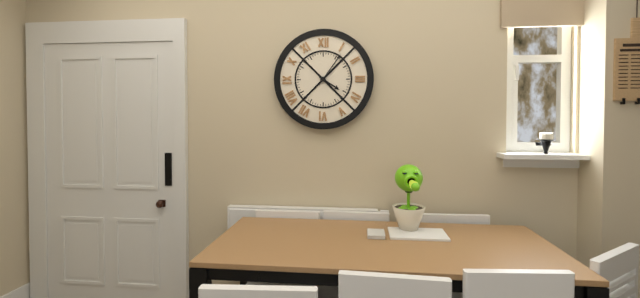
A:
**4:06**
